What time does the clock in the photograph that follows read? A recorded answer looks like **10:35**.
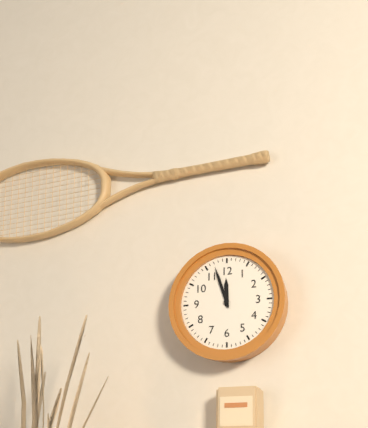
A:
**11:57**
